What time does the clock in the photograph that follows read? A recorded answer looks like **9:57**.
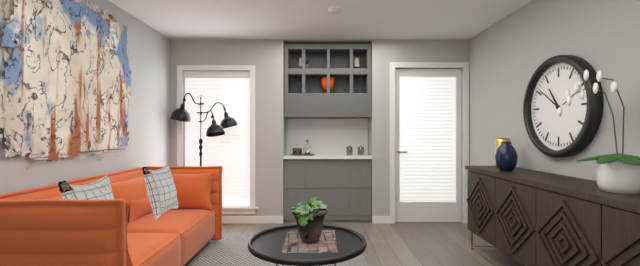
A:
**10:51**
